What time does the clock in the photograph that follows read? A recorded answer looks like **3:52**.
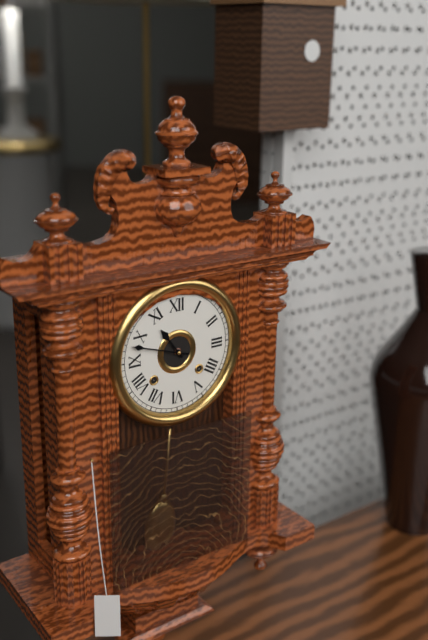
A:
**10:48**
